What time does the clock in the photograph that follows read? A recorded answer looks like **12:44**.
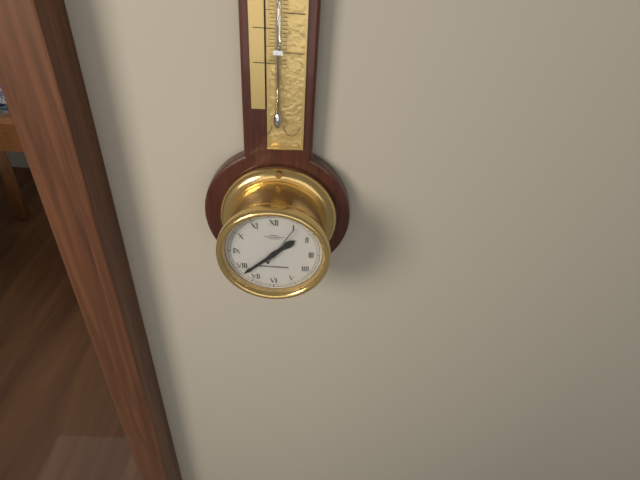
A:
**1:38**
